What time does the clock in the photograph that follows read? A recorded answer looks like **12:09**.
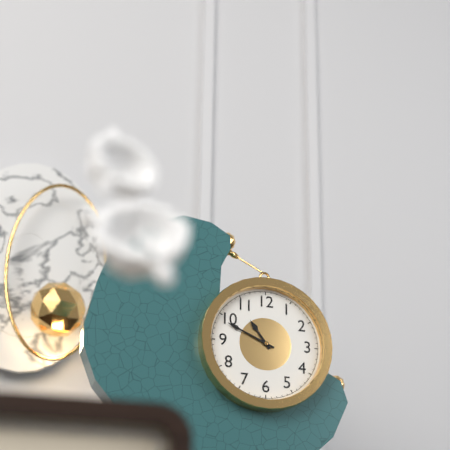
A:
**10:49**
